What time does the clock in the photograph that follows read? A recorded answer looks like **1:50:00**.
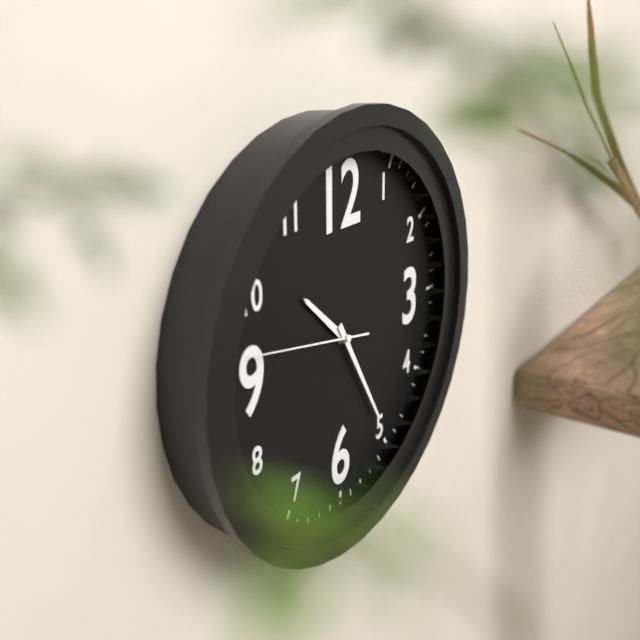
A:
**10:25:47**
